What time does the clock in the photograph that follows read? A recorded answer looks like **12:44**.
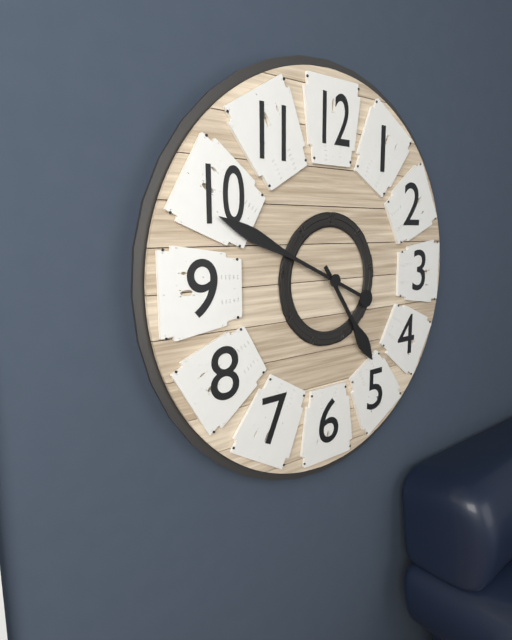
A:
**4:49**
